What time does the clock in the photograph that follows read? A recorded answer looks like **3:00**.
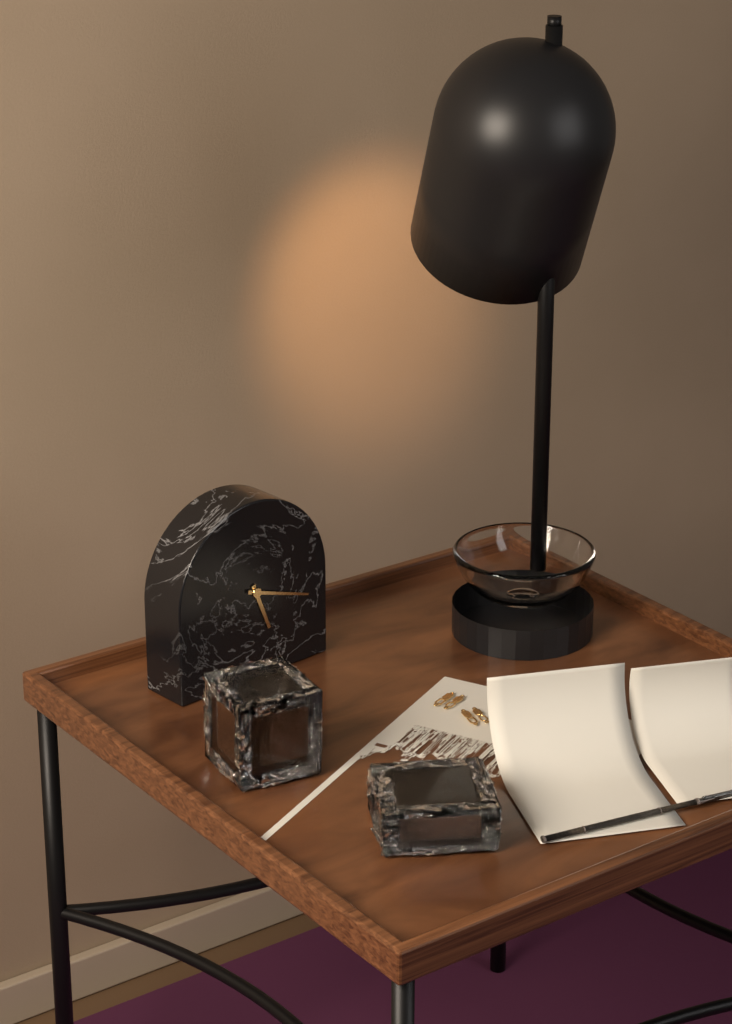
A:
**5:18**
